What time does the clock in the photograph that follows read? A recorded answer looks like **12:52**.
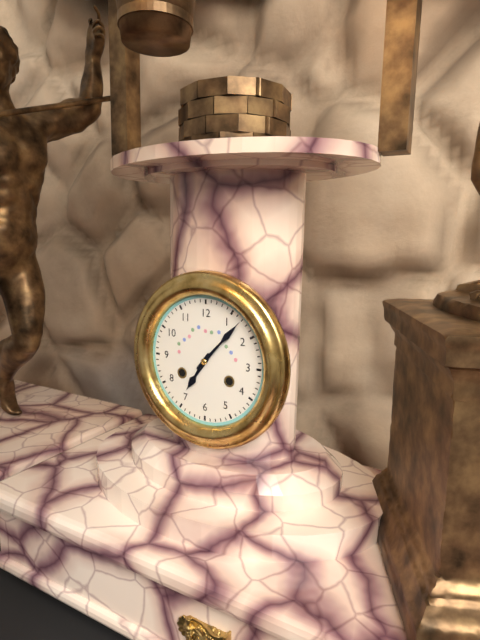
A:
**7:07**
